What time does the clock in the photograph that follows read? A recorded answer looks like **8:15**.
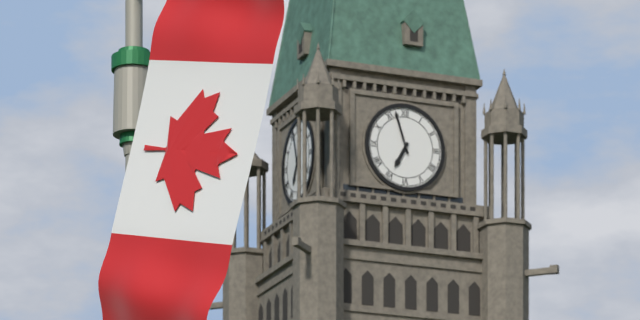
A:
**6:57**
